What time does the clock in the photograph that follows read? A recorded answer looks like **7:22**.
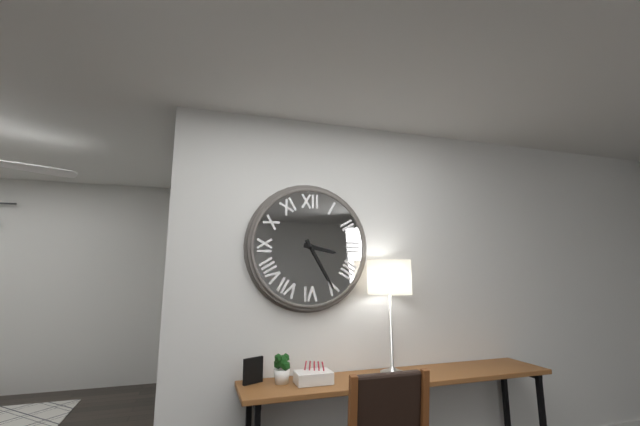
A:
**3:25**
